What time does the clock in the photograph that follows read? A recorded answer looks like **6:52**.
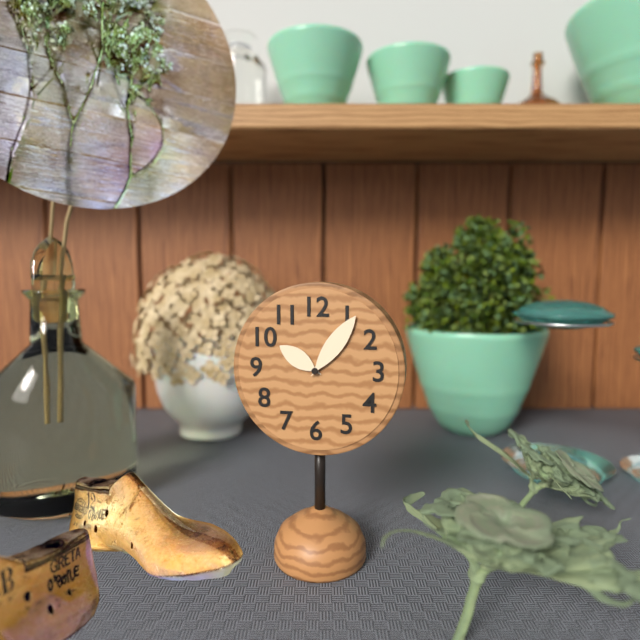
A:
**10:06**
